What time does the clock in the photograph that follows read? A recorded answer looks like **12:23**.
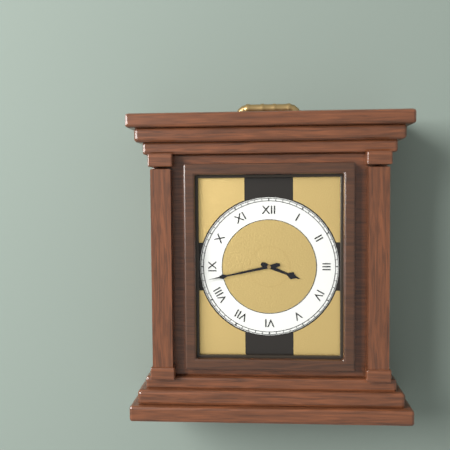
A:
**3:43**
